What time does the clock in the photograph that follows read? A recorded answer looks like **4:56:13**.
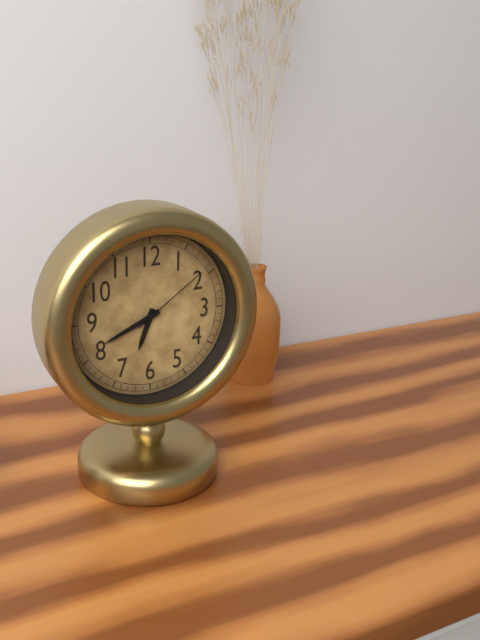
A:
**6:41:09**
